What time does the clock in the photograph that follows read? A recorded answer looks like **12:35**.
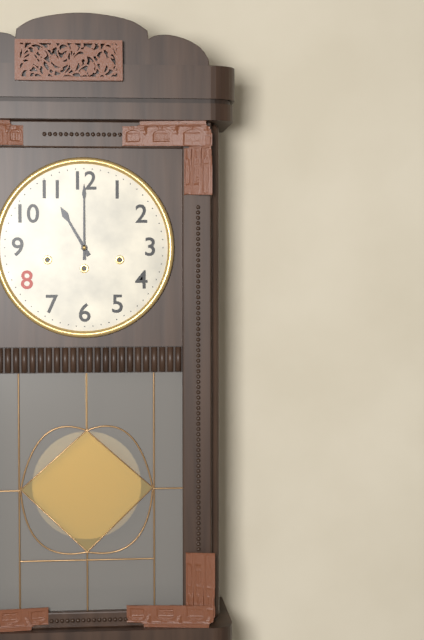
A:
**11:00**
